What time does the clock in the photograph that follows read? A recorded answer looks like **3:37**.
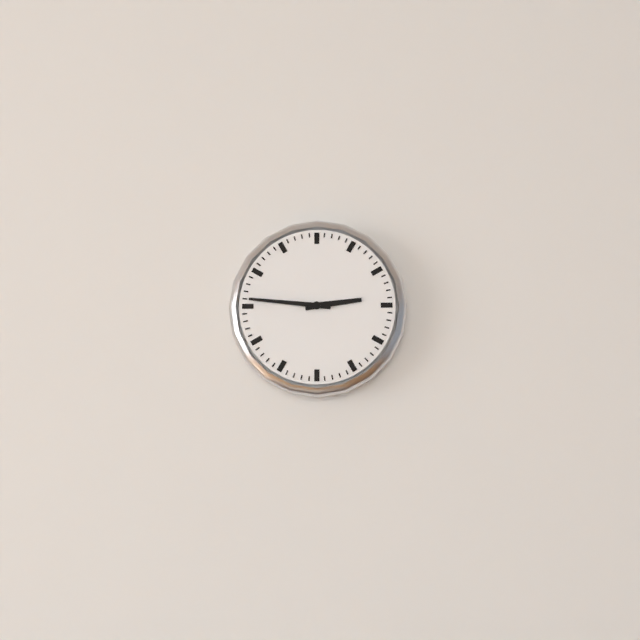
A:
**2:46**
